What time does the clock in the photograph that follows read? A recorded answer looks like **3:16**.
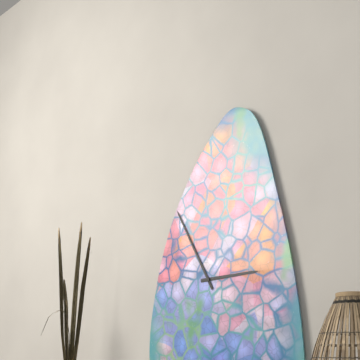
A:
**2:55**
